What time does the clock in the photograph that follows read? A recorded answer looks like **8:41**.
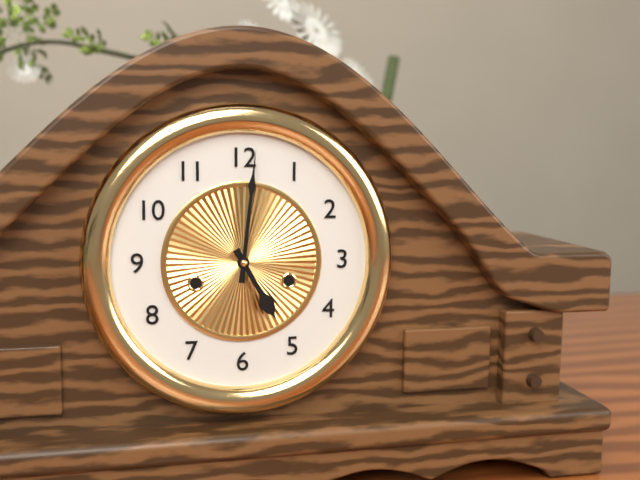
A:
**5:01**
